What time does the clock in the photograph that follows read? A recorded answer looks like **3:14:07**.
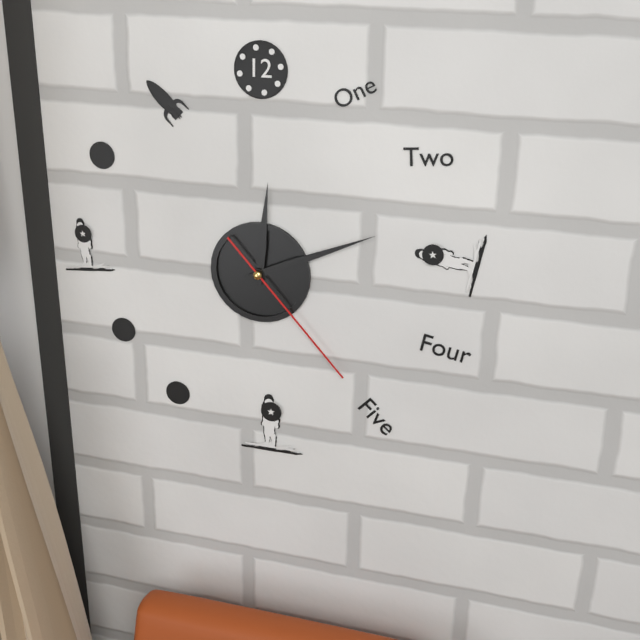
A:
**12:11:23**
